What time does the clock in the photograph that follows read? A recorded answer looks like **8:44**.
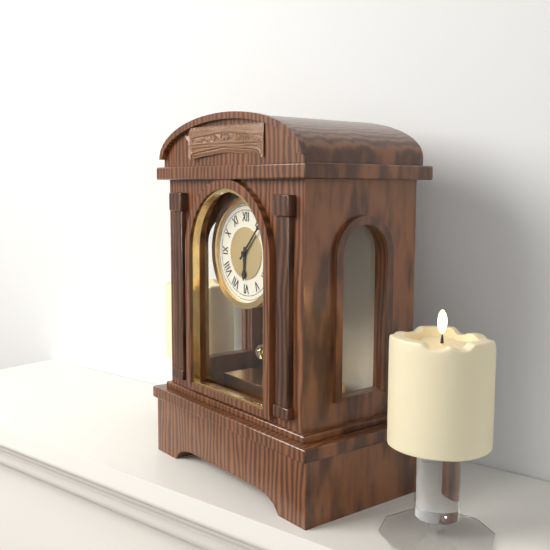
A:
**6:07**
